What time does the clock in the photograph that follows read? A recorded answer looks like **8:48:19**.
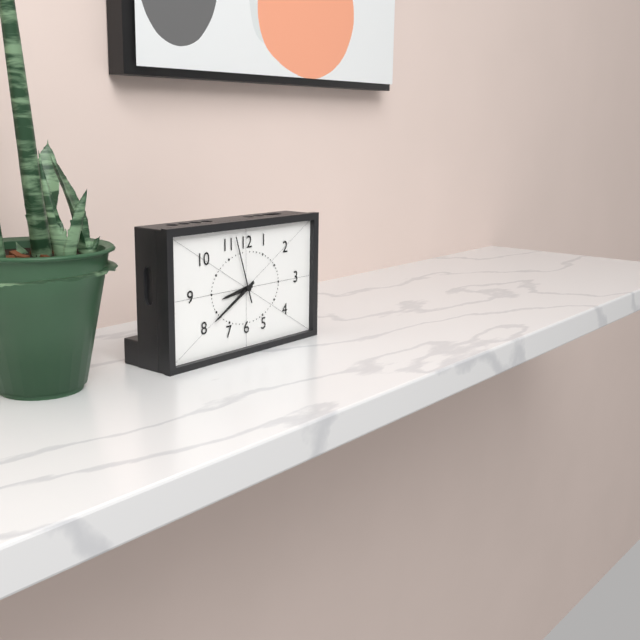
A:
**8:40:57**
